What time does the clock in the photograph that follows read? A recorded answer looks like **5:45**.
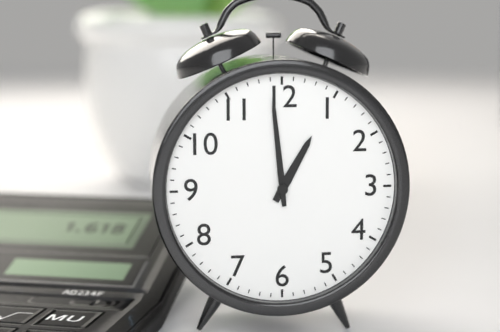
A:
**12:59**
